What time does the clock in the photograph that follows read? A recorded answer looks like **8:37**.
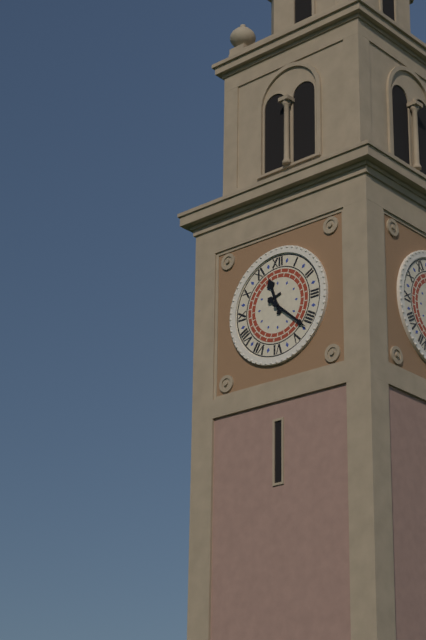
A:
**11:22**
